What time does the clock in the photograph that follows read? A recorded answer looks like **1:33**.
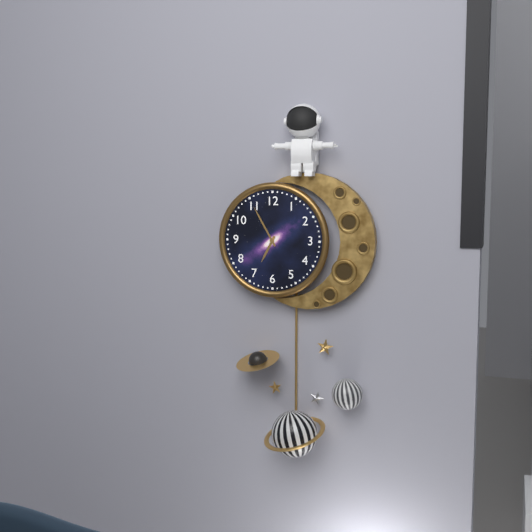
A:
**6:55**
